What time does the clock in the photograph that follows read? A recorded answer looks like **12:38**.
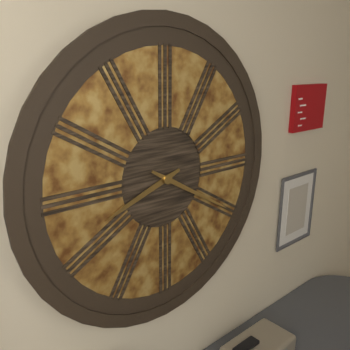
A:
**8:20**
